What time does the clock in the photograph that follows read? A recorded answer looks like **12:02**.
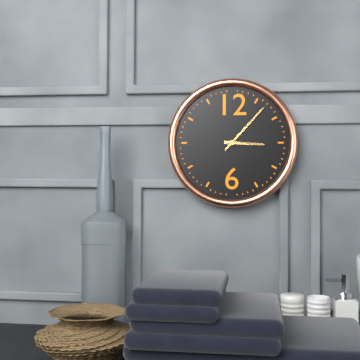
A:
**3:07**
